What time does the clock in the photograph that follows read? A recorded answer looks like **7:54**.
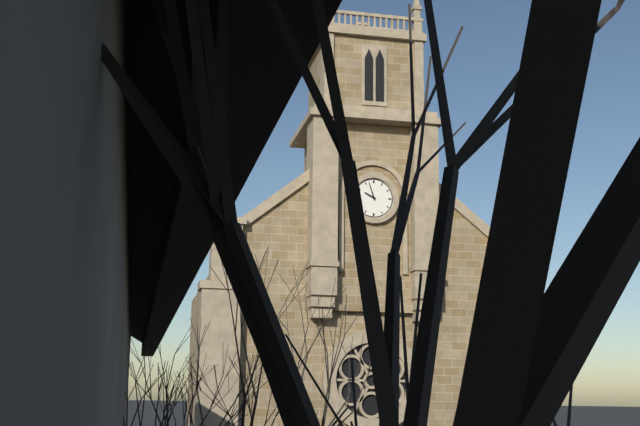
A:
**9:57**
